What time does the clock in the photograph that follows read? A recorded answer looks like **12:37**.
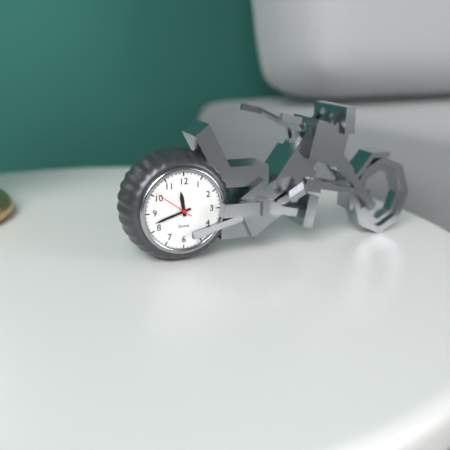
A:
**11:42**
